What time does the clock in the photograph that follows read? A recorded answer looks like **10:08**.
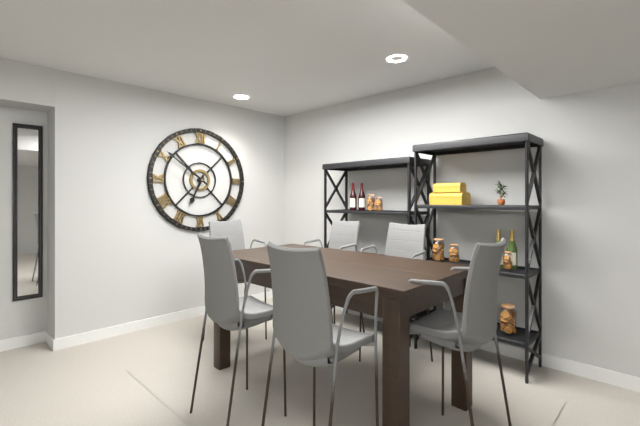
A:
**6:51**
